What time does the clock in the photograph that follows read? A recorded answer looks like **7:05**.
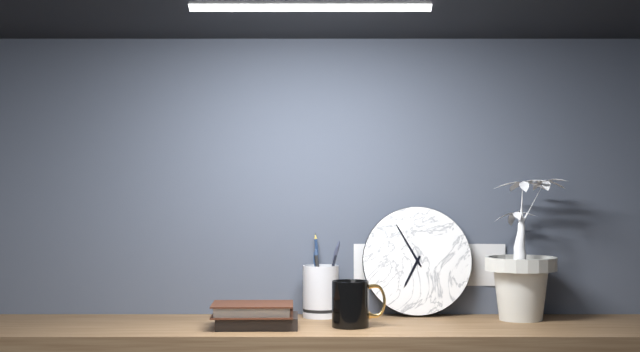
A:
**6:55**
